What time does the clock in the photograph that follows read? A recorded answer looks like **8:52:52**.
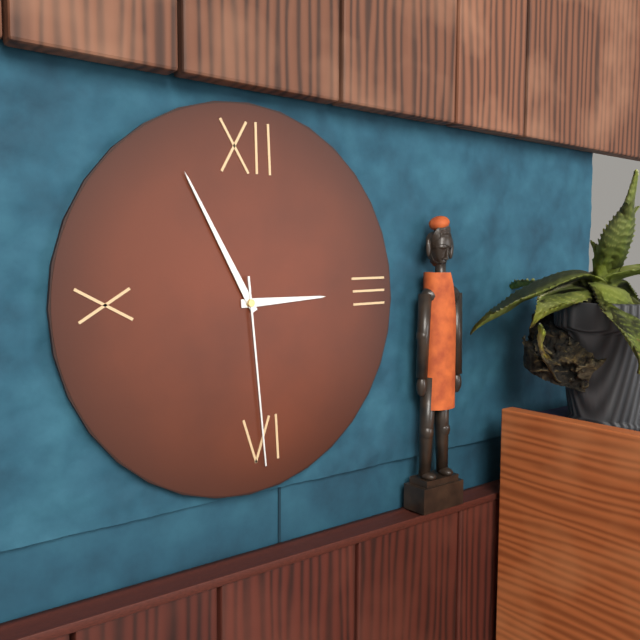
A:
**2:55:29**
